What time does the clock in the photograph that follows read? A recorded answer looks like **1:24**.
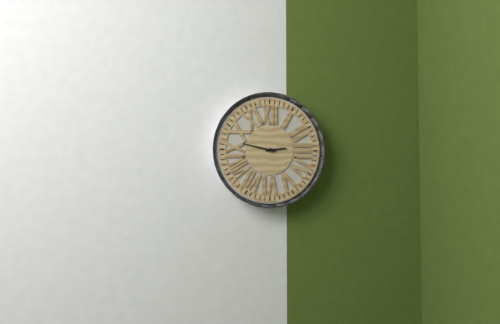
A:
**2:47**
